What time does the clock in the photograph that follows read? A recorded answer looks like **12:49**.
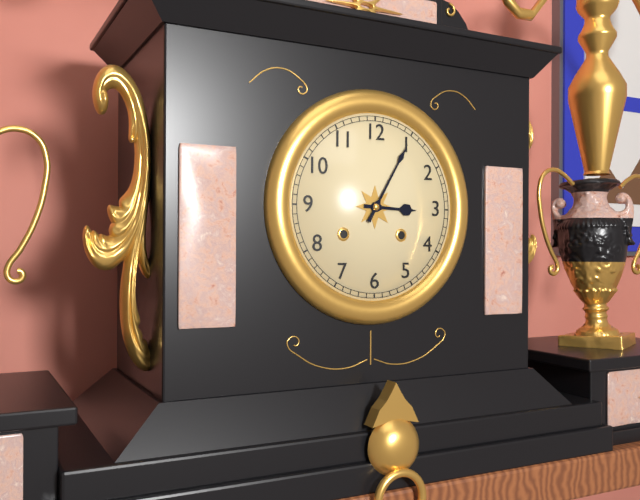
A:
**3:05**
